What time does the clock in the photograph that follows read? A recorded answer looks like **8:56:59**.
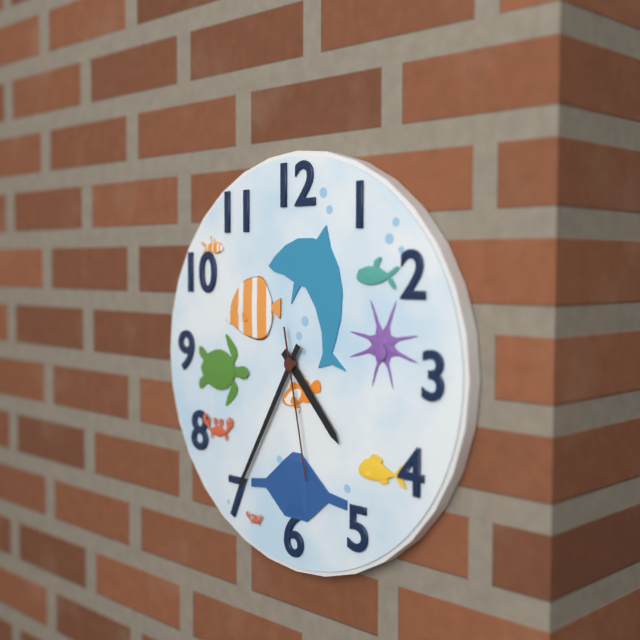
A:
**4:35:28**
